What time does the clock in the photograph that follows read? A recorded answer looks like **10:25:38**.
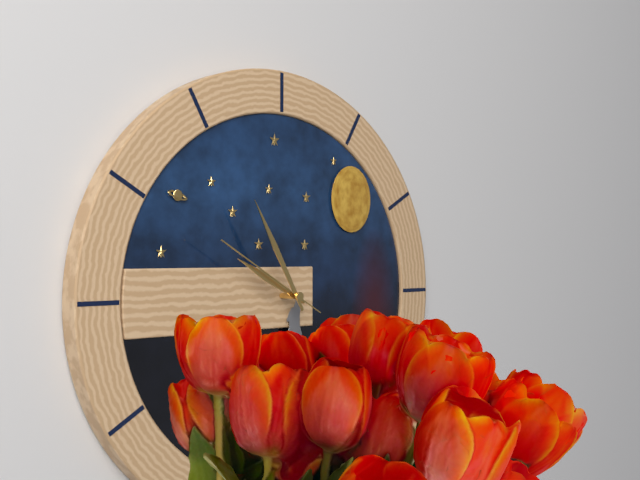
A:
**9:55:50**
